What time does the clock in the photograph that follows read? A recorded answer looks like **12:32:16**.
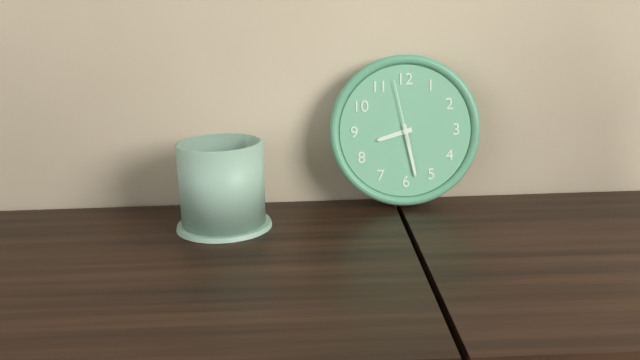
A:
**8:28:58**
